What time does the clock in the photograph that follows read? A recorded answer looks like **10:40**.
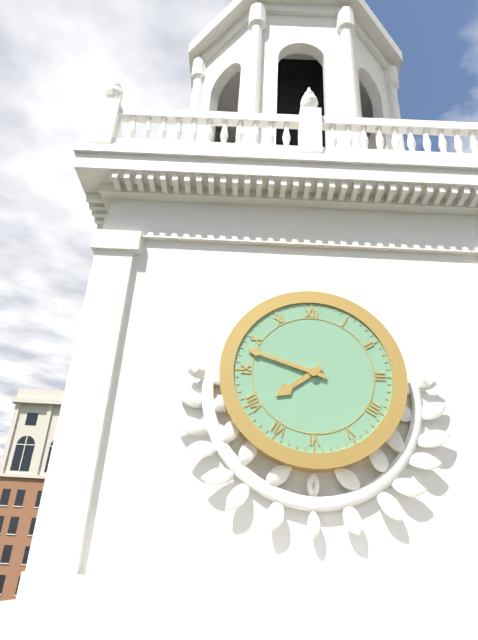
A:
**7:48**
